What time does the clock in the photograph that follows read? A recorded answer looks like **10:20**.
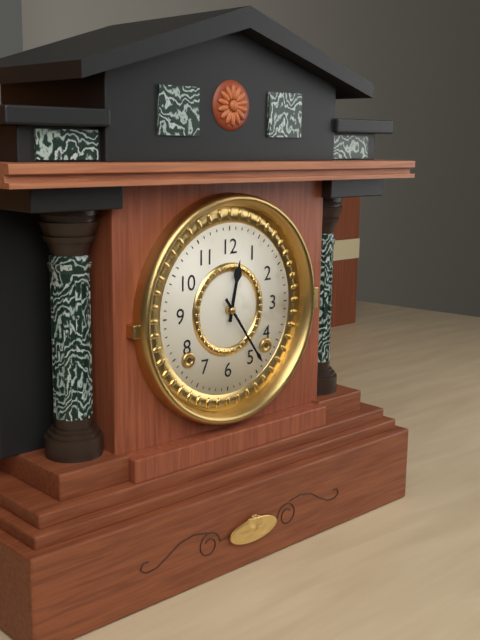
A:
**12:24**
